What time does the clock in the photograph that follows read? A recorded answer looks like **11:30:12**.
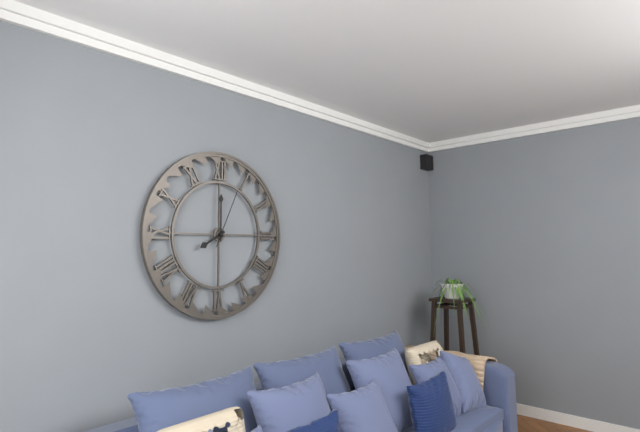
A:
**8:00:04**
